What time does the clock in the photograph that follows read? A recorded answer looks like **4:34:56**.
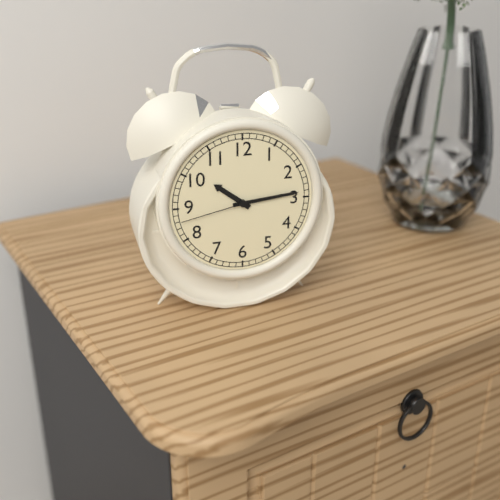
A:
**10:14:43**
